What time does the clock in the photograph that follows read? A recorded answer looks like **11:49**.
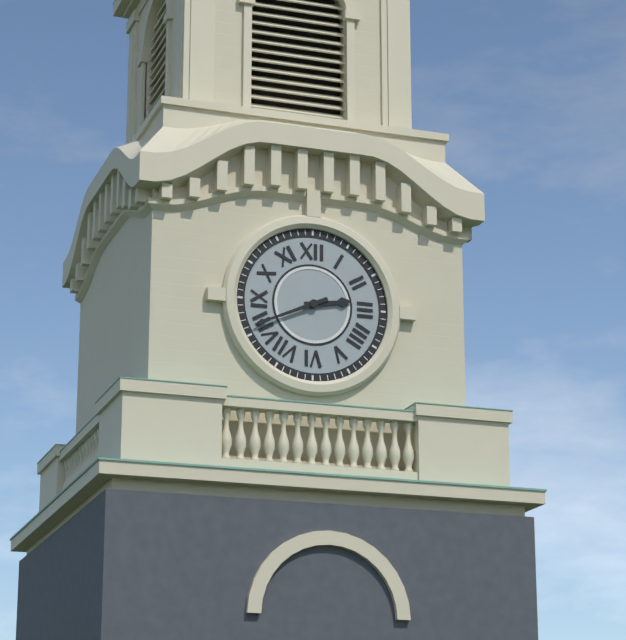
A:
**2:41**
